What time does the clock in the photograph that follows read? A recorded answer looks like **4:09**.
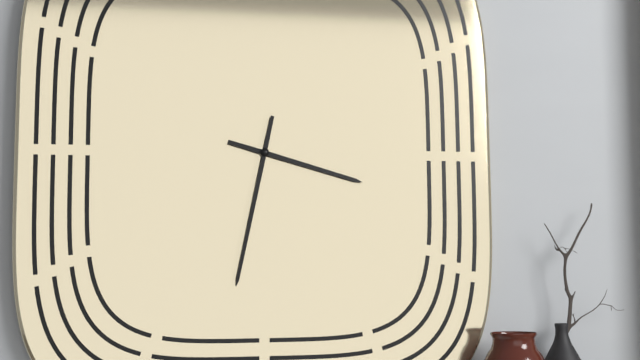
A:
**3:32**
